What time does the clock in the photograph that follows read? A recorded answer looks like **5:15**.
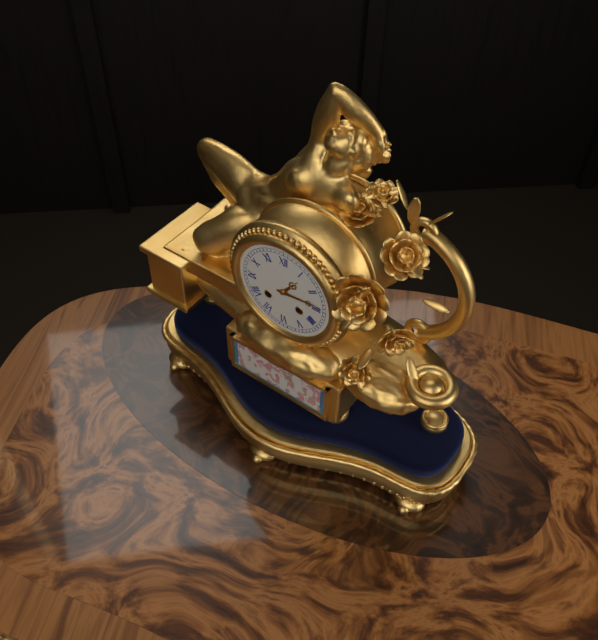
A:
**1:14**
